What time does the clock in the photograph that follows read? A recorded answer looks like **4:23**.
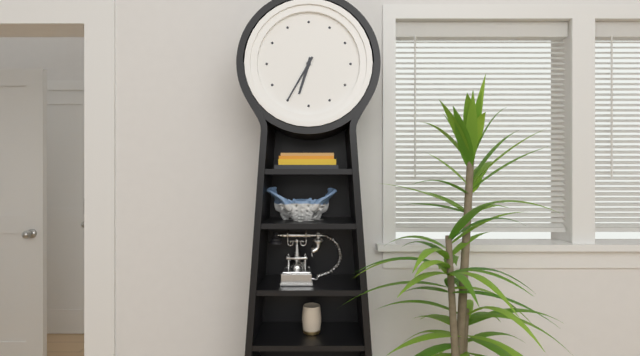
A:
**6:35**
